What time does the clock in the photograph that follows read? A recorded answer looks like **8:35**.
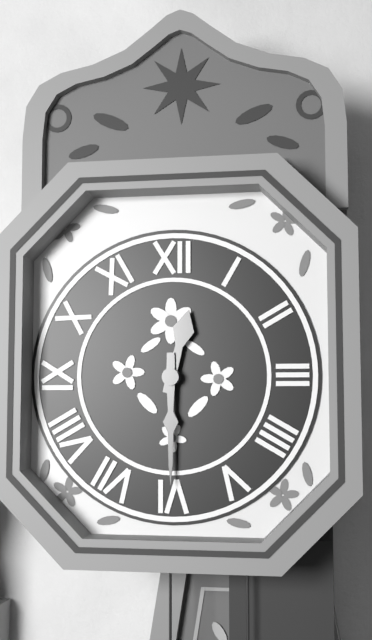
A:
**12:30**
